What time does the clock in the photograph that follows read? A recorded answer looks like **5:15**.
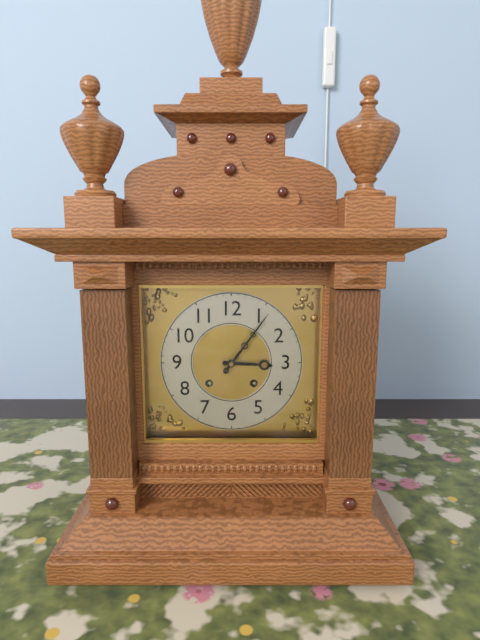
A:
**3:06**
